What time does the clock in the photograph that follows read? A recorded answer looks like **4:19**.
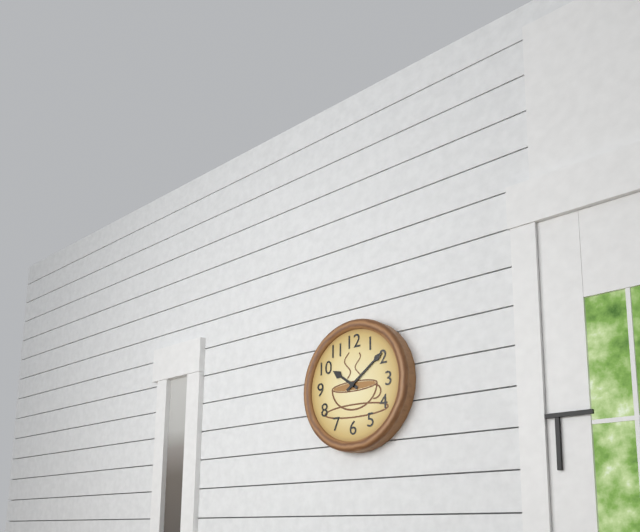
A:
**10:09**
